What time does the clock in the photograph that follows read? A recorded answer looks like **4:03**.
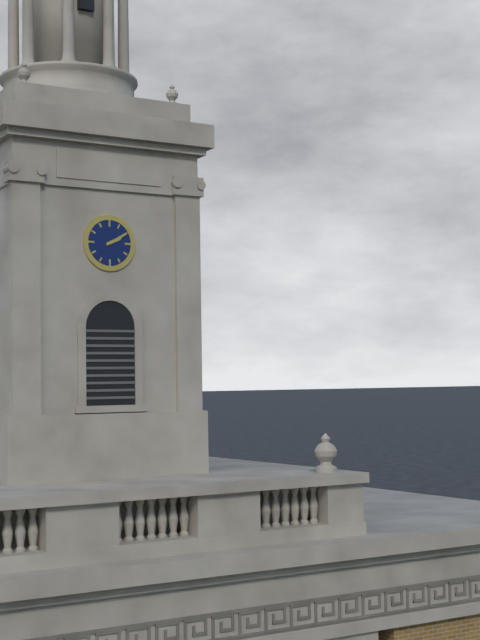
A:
**2:10**
